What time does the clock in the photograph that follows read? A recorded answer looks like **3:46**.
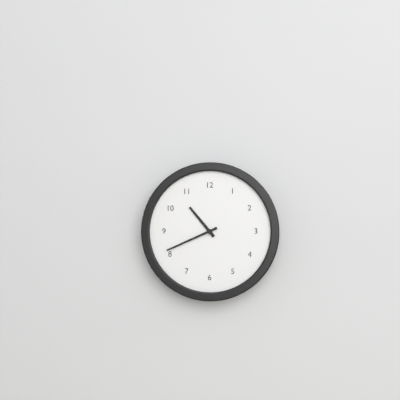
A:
**10:41**
